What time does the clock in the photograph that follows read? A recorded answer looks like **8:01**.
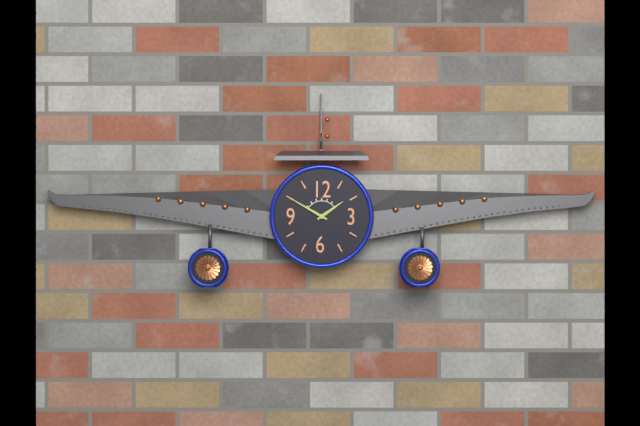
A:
**1:50**
